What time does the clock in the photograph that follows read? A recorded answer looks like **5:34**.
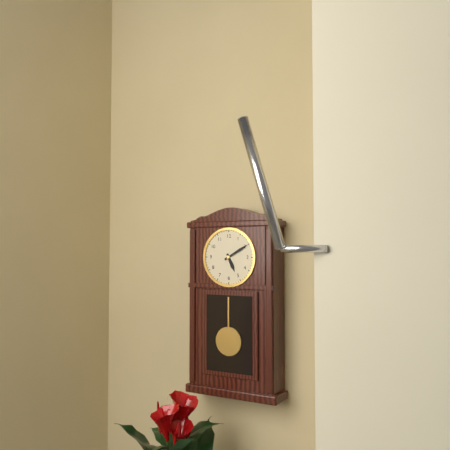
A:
**5:10**
